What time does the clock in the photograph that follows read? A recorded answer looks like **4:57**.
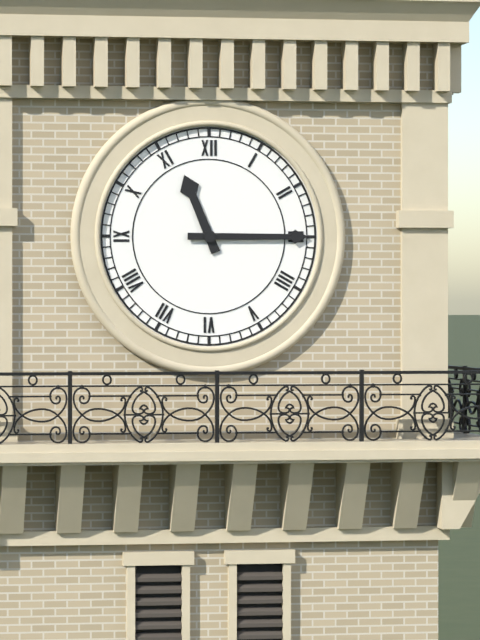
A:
**11:15**
